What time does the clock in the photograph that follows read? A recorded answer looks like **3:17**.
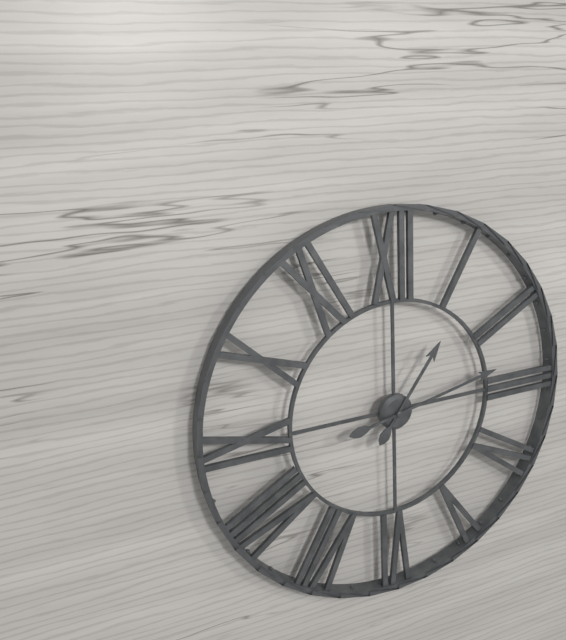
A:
**1:13**
